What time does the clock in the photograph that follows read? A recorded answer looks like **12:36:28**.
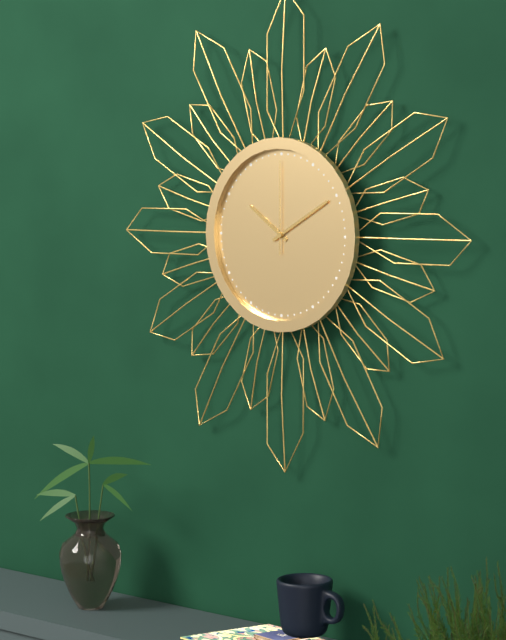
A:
**10:10:00**
